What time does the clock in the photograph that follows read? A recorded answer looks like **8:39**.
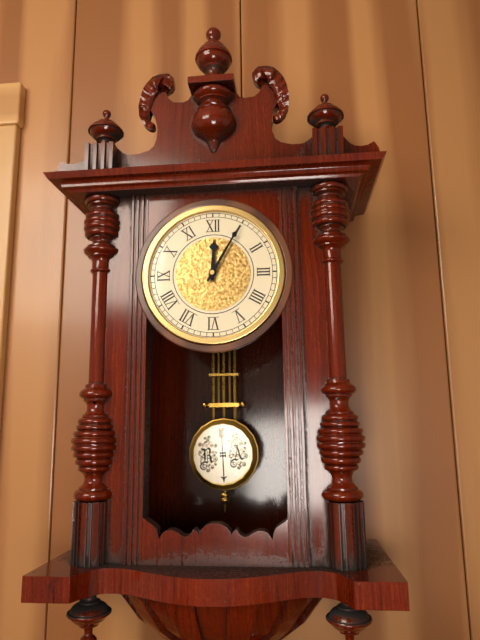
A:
**12:05**
